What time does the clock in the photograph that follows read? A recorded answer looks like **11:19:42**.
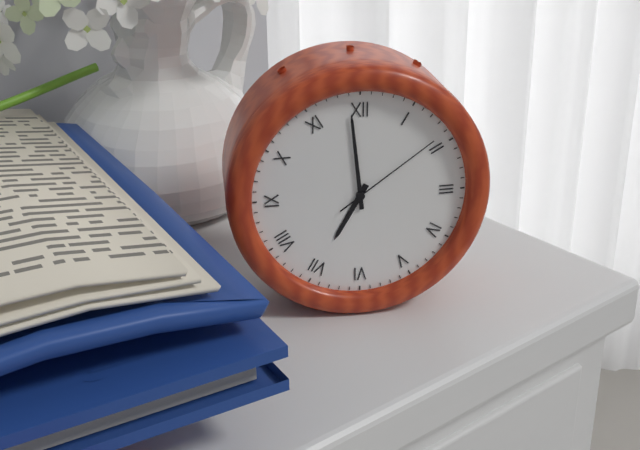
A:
**6:59:09**
